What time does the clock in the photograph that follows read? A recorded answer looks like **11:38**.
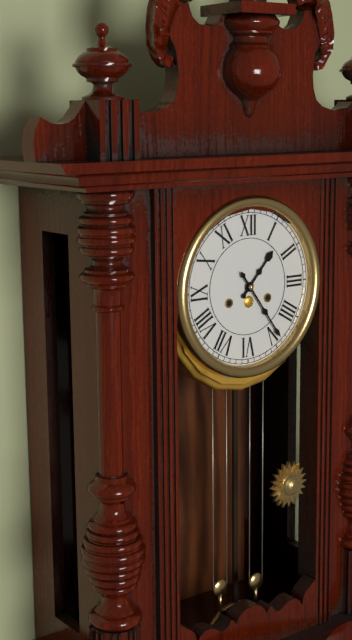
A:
**1:24**
